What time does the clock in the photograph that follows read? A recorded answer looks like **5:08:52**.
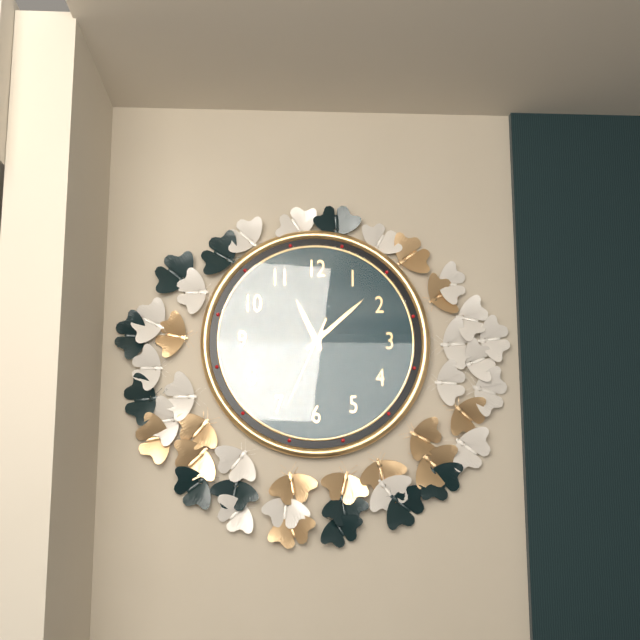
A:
**11:08:34**
